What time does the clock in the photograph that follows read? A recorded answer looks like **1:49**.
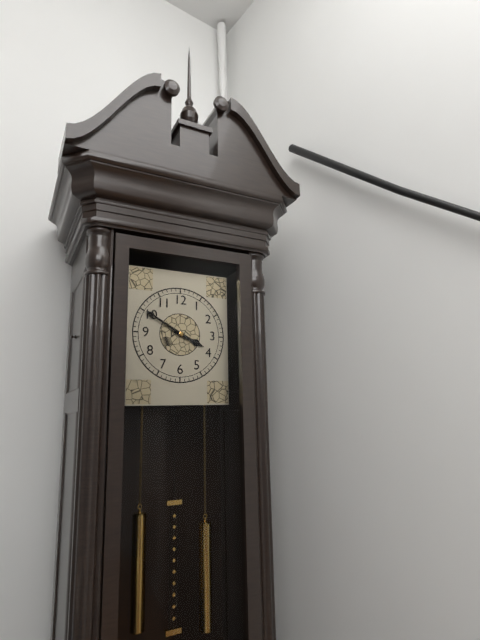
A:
**3:50**
